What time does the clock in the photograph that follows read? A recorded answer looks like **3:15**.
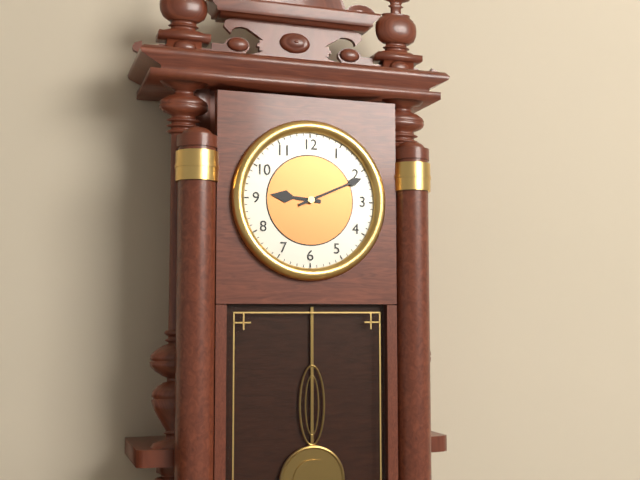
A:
**9:11**
